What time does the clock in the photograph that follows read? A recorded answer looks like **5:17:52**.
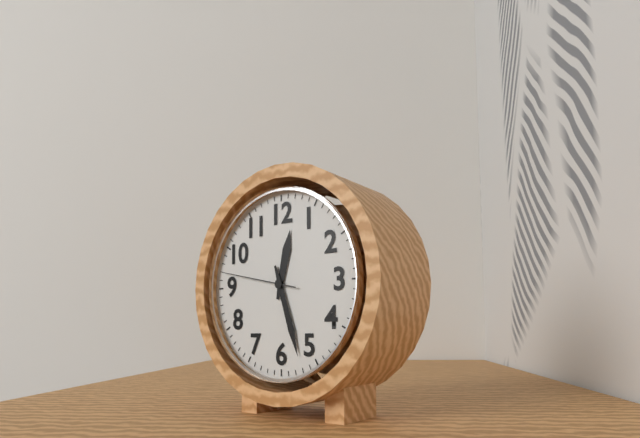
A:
**12:27:47**
